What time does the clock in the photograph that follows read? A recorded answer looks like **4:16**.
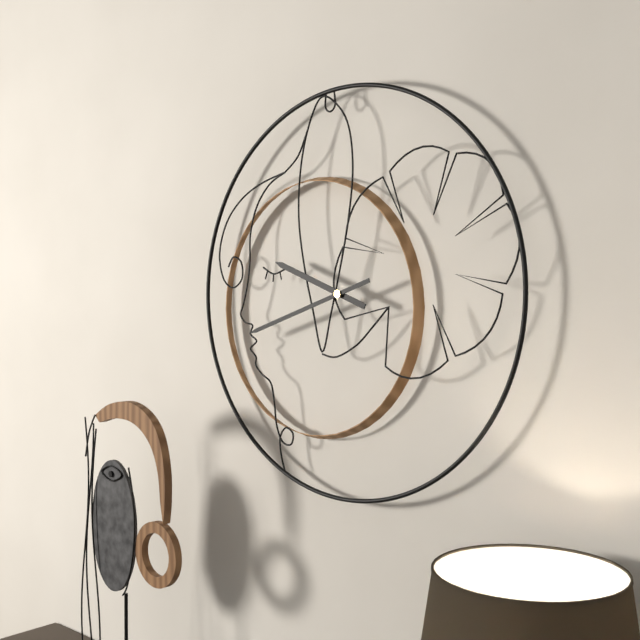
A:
**9:42**
